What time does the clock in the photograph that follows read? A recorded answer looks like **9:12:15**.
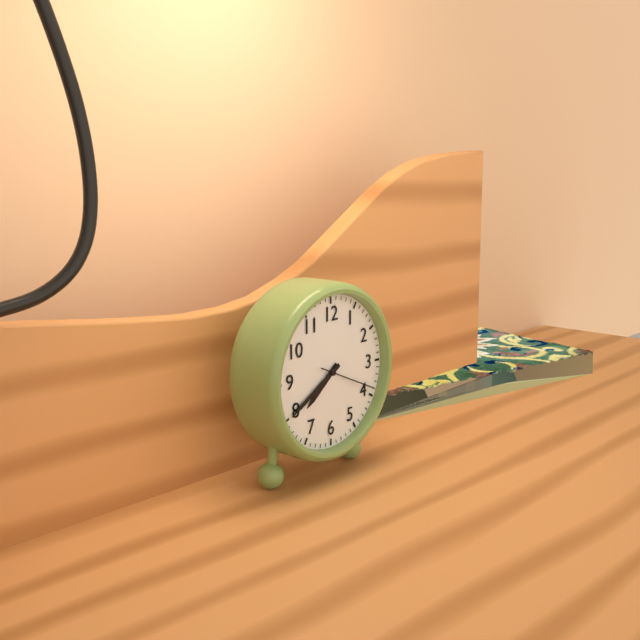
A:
**7:40:19**
